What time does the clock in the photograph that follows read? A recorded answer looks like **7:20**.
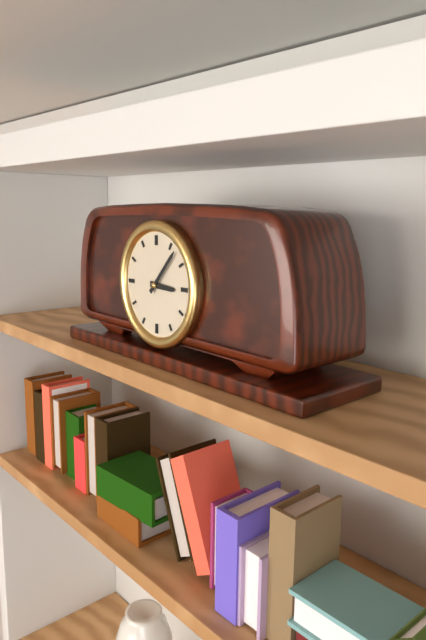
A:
**3:07**
